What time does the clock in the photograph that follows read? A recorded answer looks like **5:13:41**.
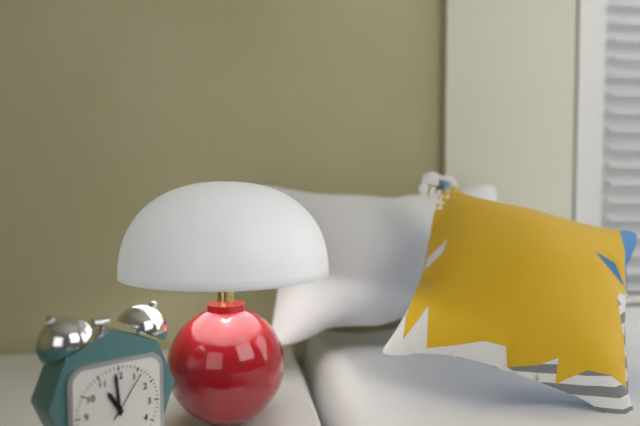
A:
**10:59:06**
